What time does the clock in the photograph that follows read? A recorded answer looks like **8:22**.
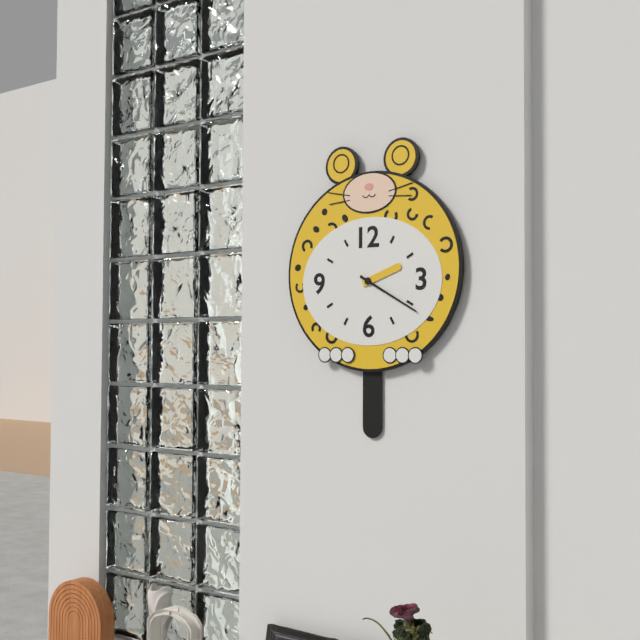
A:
**2:20**
